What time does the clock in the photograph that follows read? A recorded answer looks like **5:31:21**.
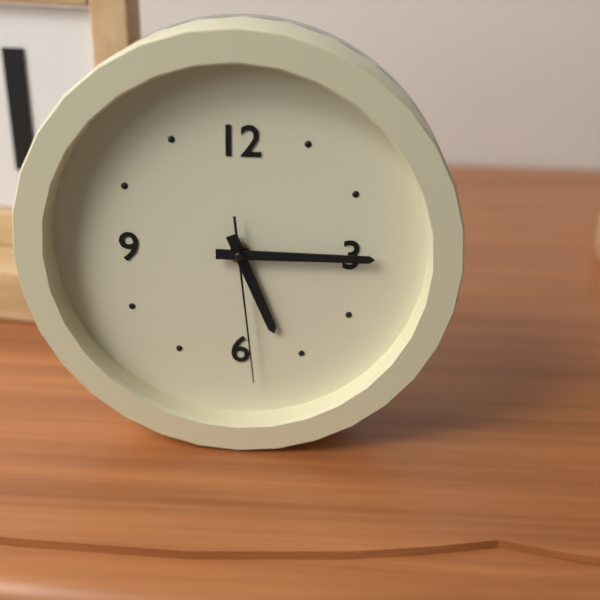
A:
**5:15:29**
